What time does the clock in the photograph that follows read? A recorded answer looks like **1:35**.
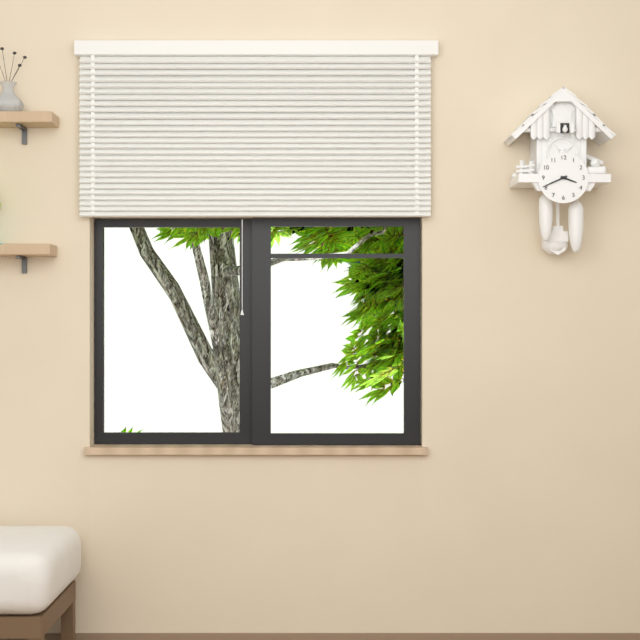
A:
**3:41**
